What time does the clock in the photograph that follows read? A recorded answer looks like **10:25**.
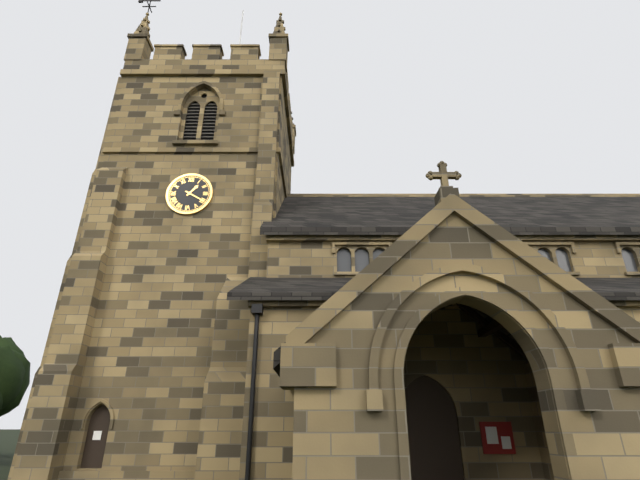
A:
**1:20**
